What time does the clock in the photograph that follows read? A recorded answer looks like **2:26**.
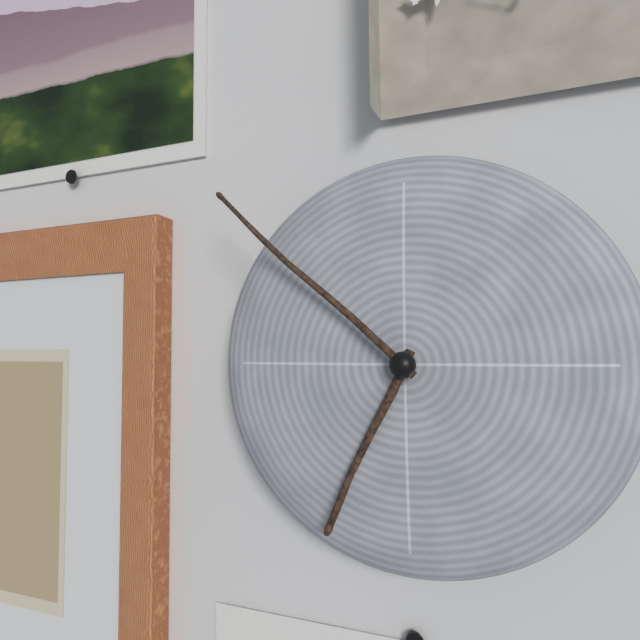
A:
**6:52**
